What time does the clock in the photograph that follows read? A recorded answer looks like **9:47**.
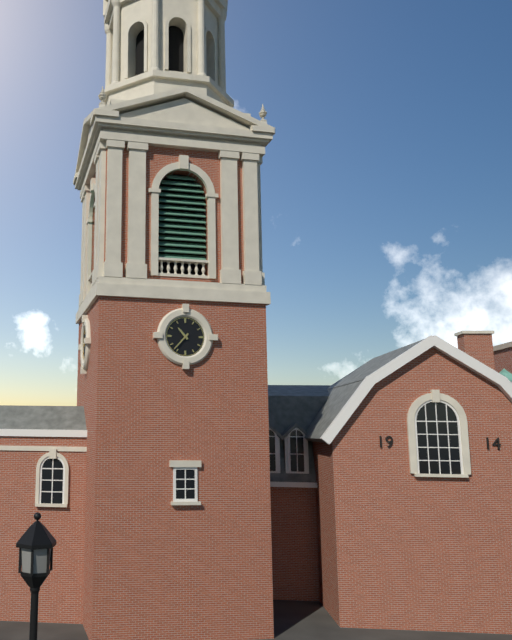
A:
**10:37**
